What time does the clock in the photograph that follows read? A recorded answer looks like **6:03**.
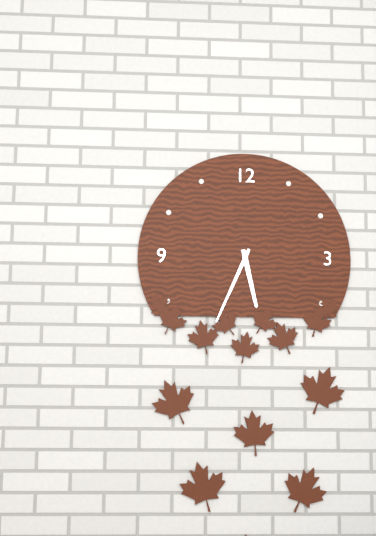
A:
**5:34**
